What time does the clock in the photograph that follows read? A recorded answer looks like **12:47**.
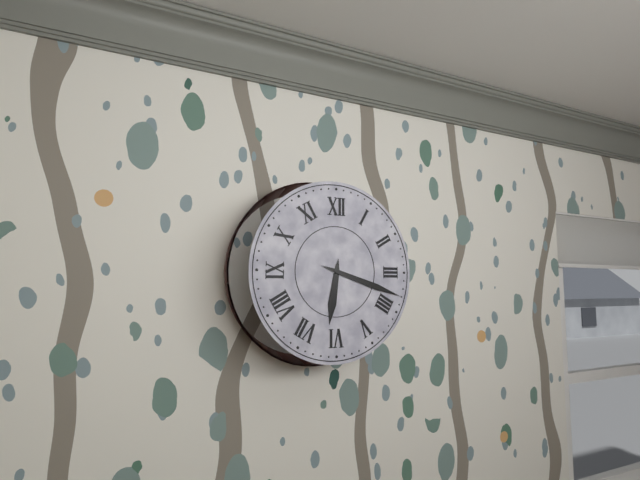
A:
**6:18**
